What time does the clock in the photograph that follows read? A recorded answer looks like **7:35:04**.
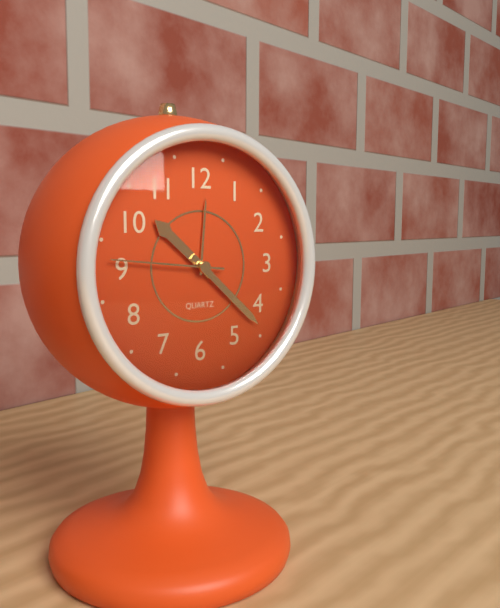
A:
**10:22:46**
